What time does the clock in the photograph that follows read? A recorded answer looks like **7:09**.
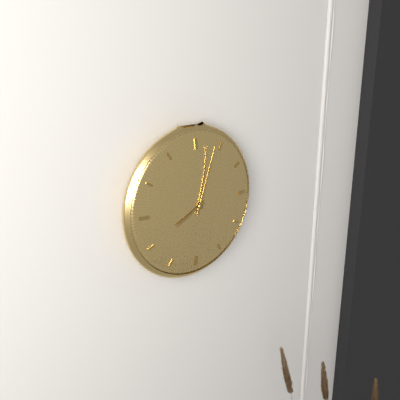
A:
**8:03**
